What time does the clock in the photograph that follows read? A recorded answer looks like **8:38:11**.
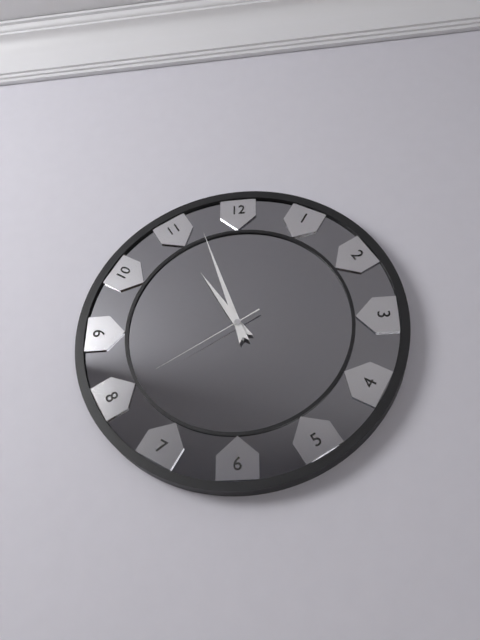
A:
**10:57:40**
